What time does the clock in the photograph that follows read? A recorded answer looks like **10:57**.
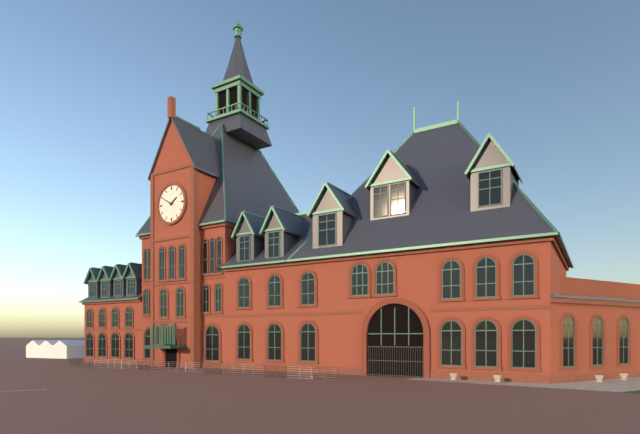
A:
**1:50**
